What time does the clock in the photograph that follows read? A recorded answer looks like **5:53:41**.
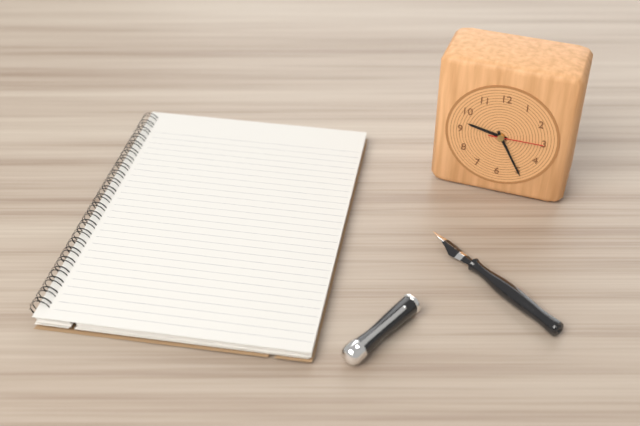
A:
**9:25:15**
